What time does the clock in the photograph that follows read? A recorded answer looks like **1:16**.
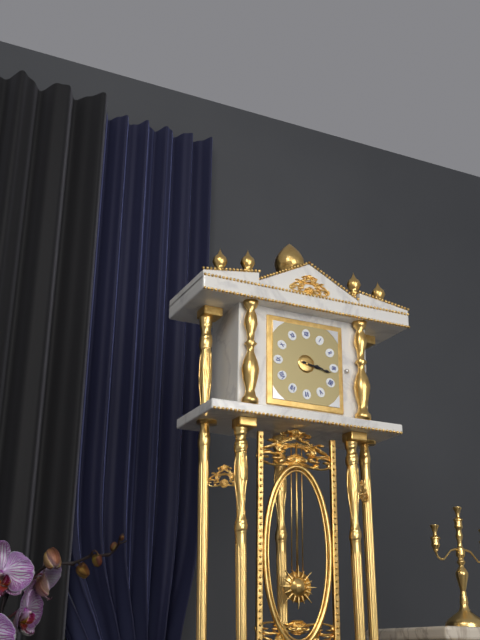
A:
**3:17**
